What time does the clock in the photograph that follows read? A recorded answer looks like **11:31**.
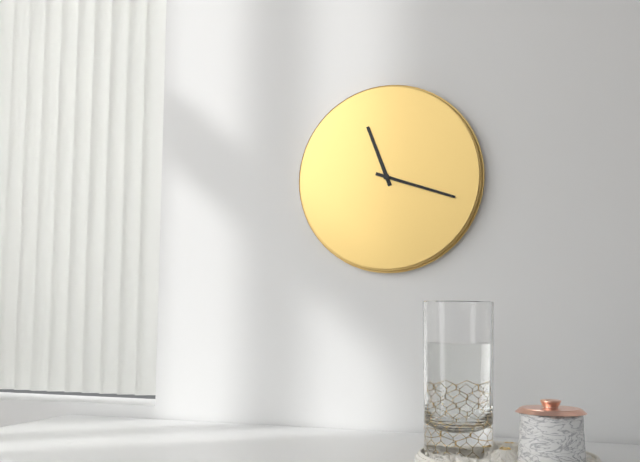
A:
**11:18**
